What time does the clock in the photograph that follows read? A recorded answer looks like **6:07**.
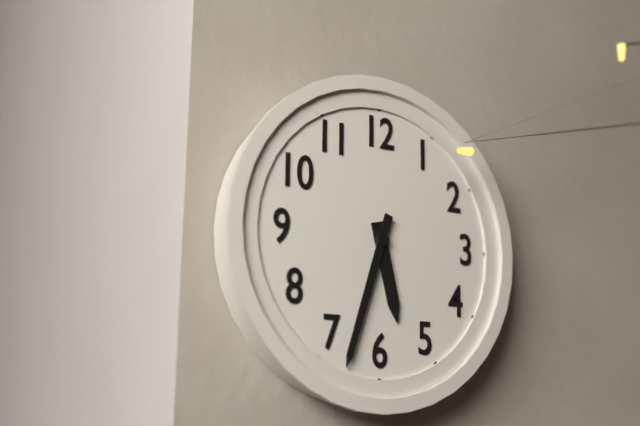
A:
**5:33**
